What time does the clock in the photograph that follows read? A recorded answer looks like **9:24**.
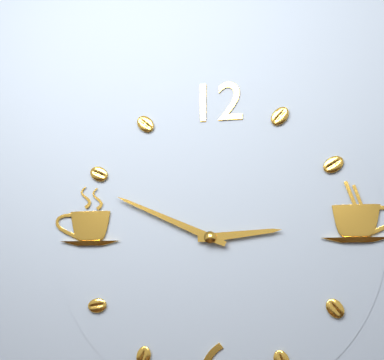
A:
**2:49**
